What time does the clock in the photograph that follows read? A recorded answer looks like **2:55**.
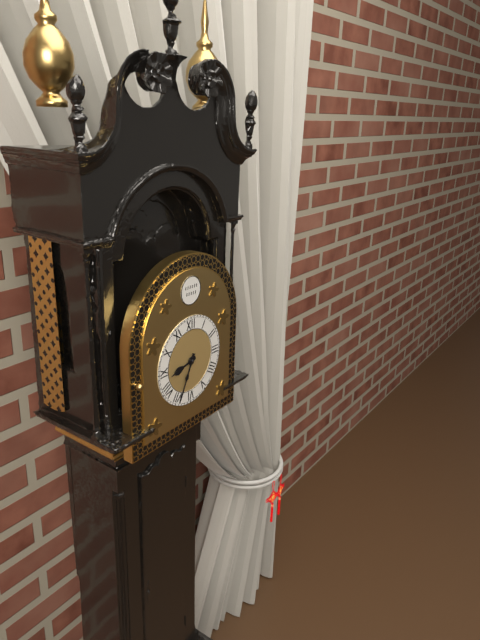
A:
**8:34**
